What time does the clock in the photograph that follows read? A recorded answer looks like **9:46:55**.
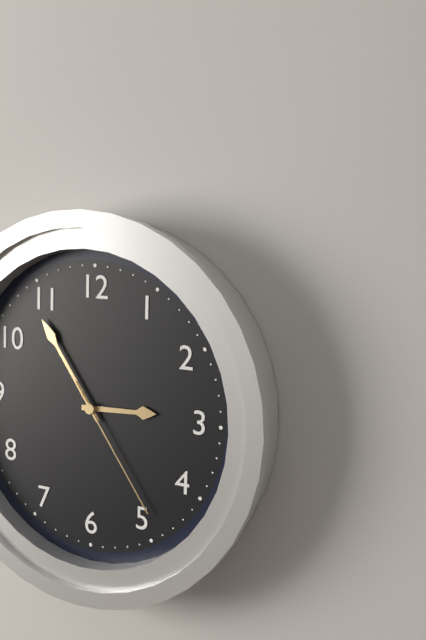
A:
**2:54:24**
